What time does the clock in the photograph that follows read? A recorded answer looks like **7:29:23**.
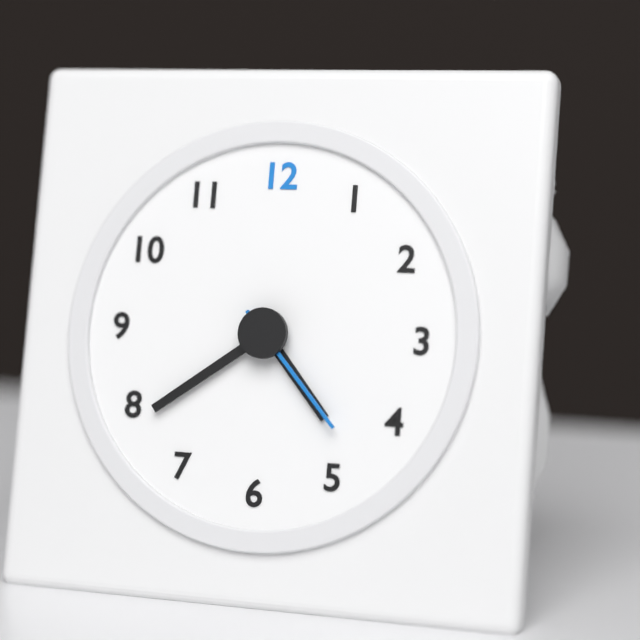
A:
**4:39:23**
